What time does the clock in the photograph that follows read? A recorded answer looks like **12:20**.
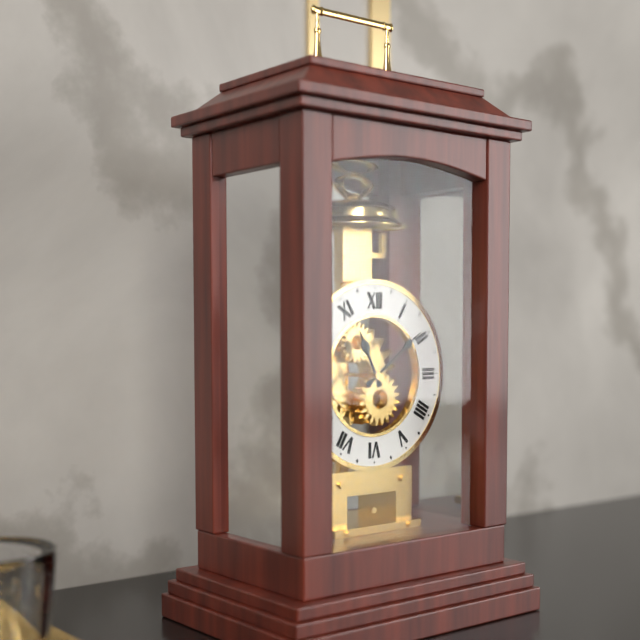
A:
**11:09**
